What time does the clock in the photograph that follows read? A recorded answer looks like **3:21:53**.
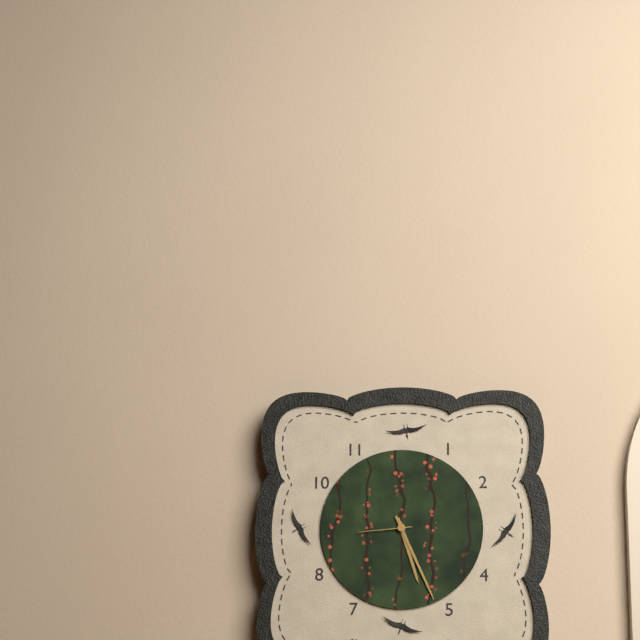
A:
**5:26:44**
